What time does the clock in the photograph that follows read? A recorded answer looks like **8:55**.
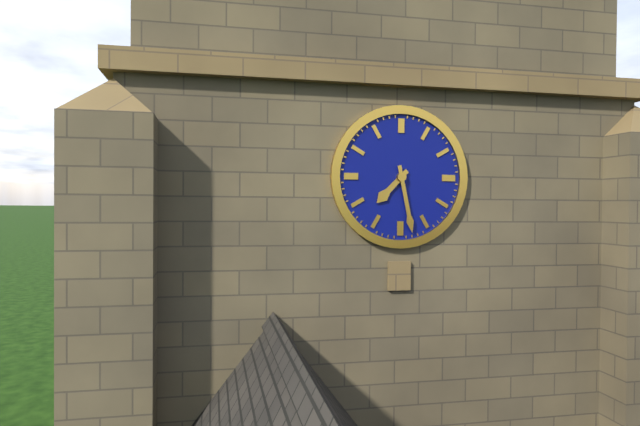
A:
**7:28**
